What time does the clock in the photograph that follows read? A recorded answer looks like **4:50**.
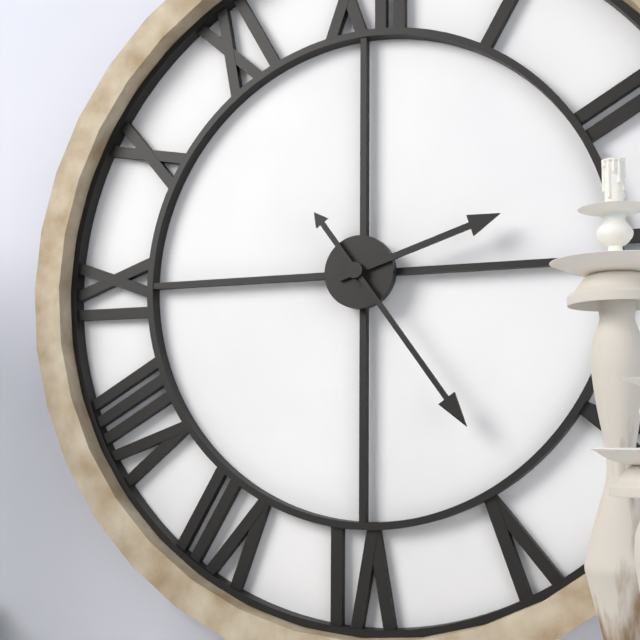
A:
**2:24**
